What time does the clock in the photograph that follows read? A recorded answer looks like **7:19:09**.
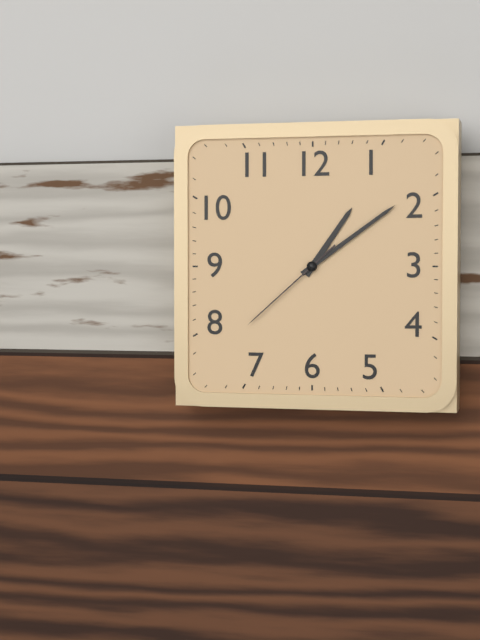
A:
**1:09:38**
